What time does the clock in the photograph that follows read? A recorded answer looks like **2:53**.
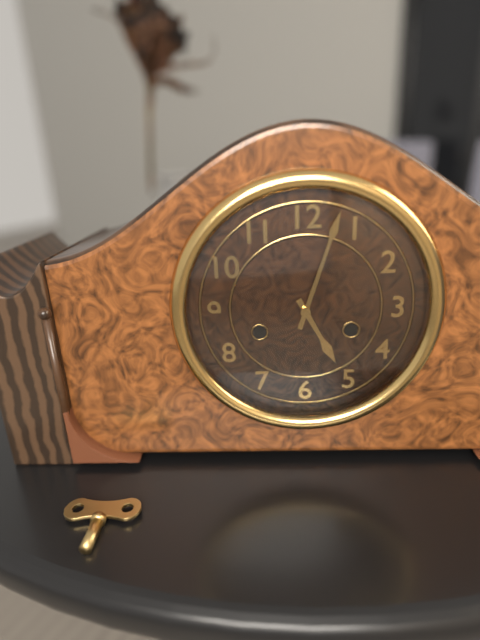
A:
**5:03**
